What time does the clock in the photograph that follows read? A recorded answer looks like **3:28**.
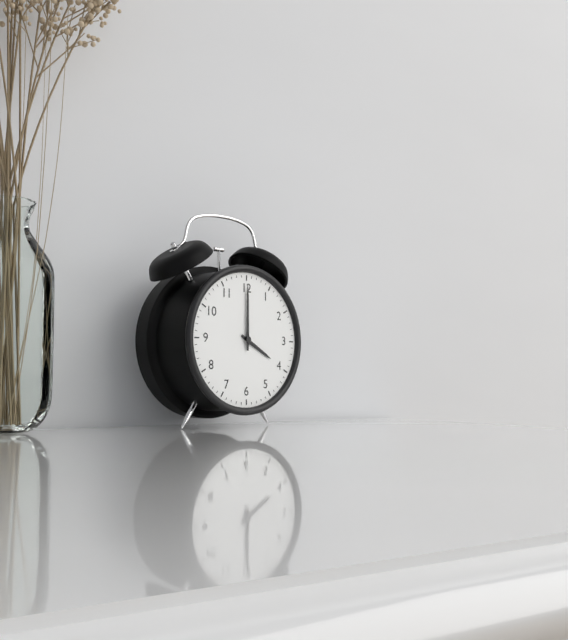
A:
**4:00**
